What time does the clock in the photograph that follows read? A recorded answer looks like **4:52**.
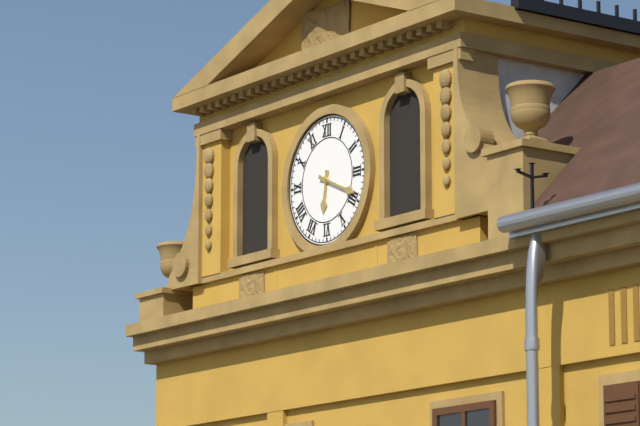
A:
**6:19**
